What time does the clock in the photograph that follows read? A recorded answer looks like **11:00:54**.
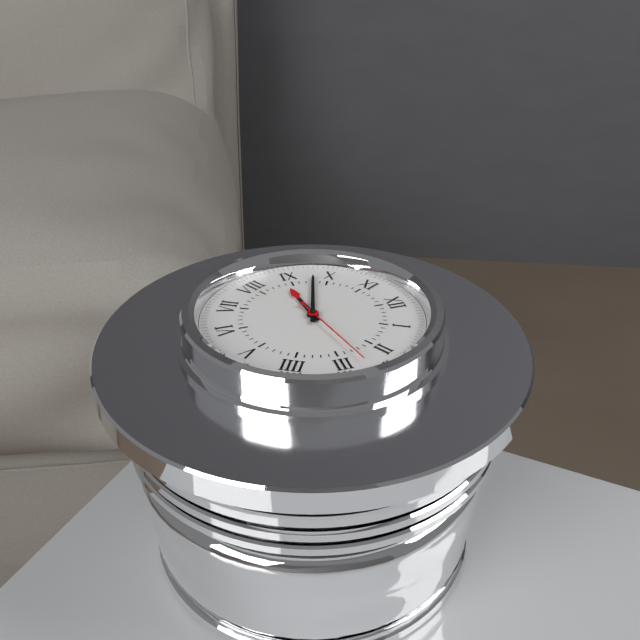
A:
**8:48:13**
